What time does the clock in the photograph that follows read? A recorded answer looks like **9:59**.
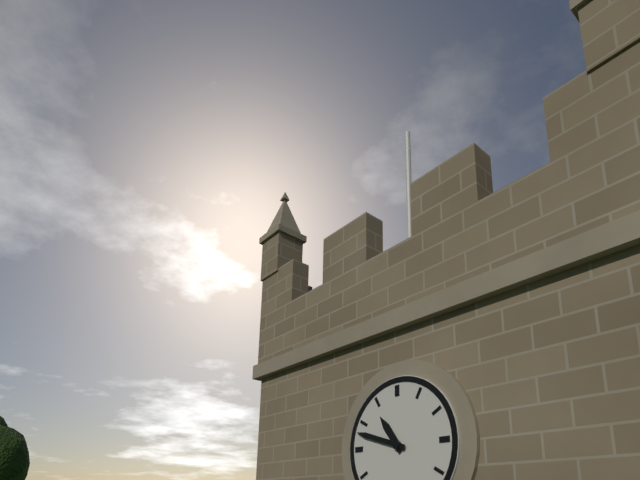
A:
**10:48**
